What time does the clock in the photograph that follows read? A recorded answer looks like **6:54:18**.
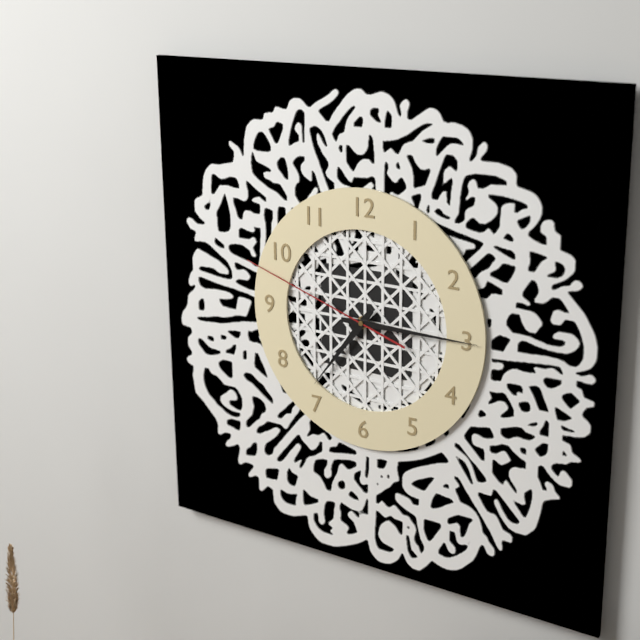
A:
**7:15:48**
